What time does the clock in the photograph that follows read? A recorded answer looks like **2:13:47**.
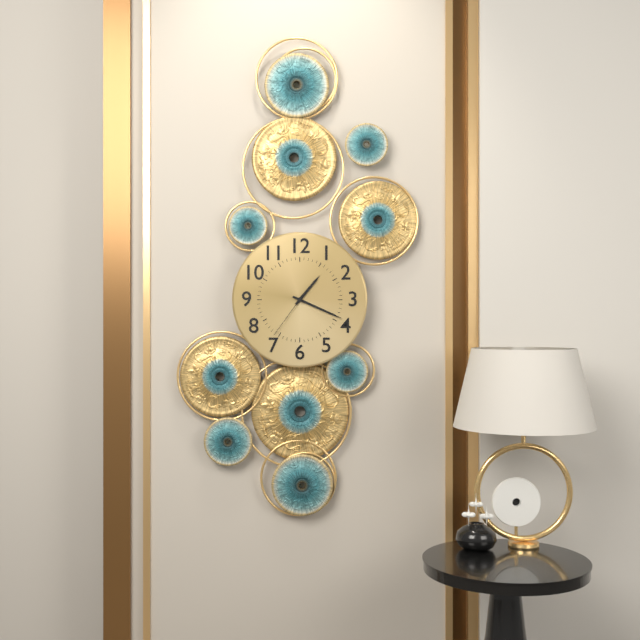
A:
**1:19:36**
